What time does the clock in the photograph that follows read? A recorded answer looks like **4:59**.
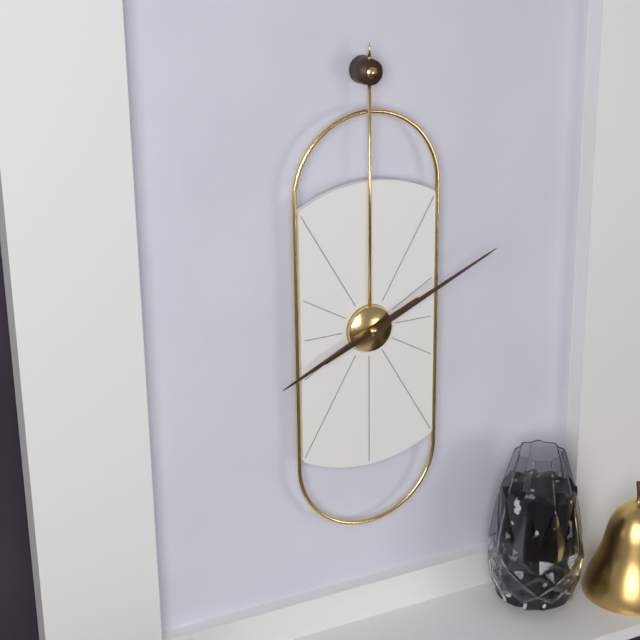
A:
**8:11**
